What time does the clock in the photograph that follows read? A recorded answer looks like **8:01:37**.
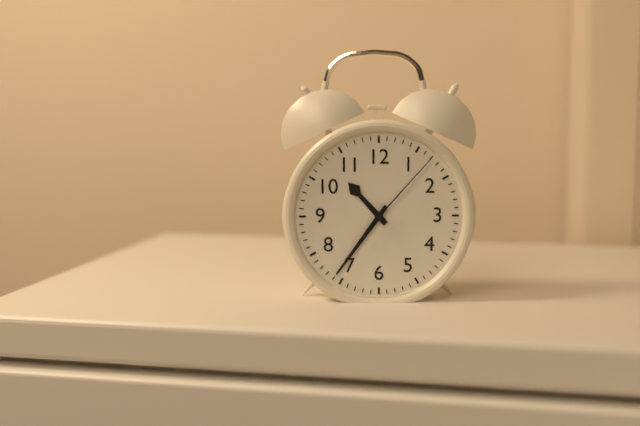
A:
**10:36:07**
